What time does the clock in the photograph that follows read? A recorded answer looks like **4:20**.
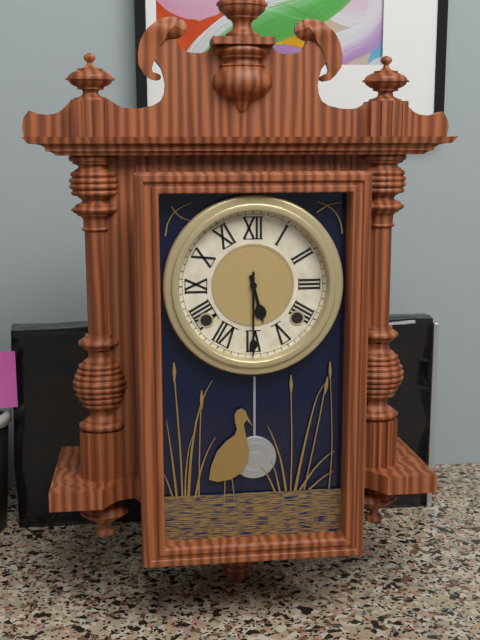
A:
**5:30**
